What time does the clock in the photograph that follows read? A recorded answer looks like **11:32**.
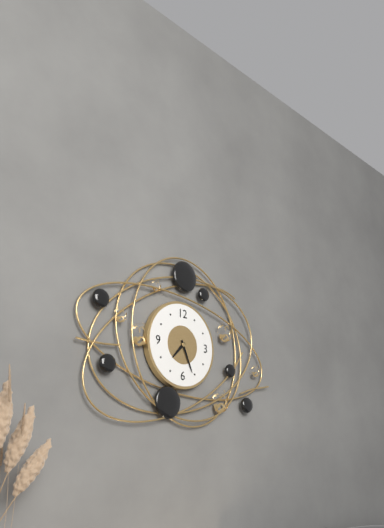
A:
**7:26**
